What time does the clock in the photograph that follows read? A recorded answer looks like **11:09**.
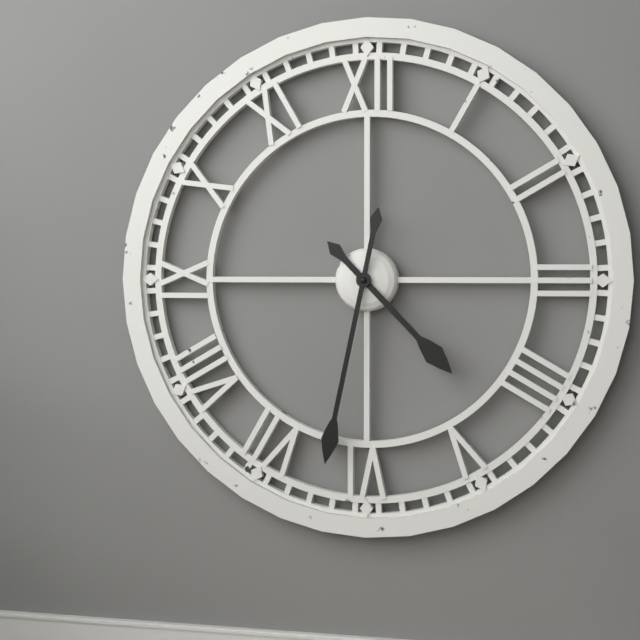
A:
**4:32**
